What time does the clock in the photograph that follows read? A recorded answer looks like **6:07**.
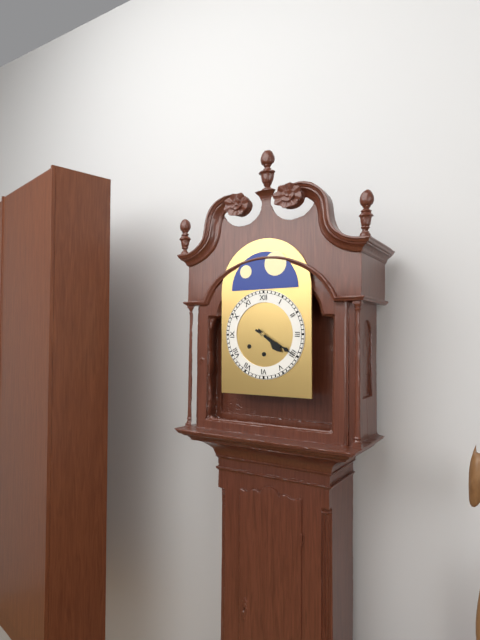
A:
**4:20**
